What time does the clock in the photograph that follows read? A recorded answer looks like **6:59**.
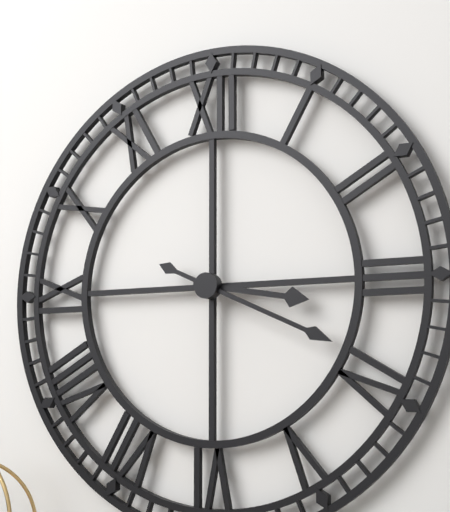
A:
**3:19**
